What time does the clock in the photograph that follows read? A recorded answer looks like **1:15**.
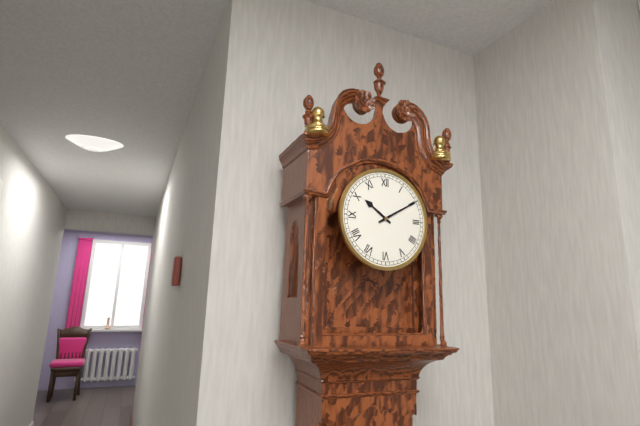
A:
**10:10**
